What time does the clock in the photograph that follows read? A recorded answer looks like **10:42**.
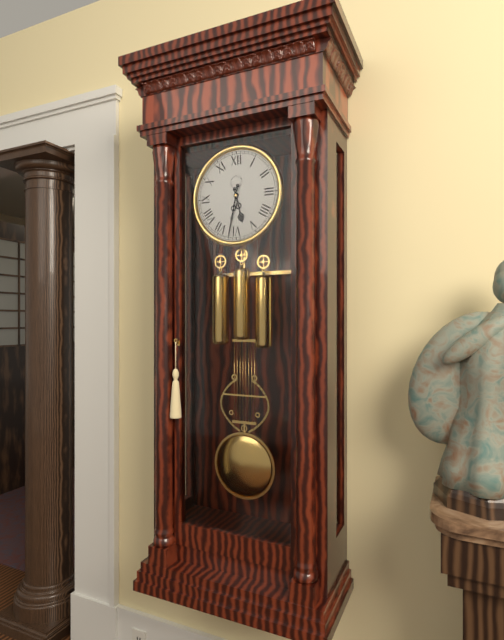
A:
**5:32**
